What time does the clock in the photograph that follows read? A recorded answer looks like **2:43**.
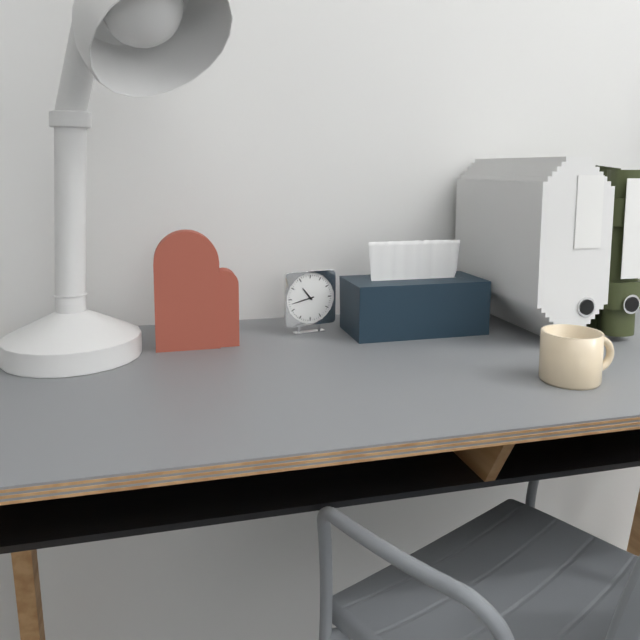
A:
**10:43**
